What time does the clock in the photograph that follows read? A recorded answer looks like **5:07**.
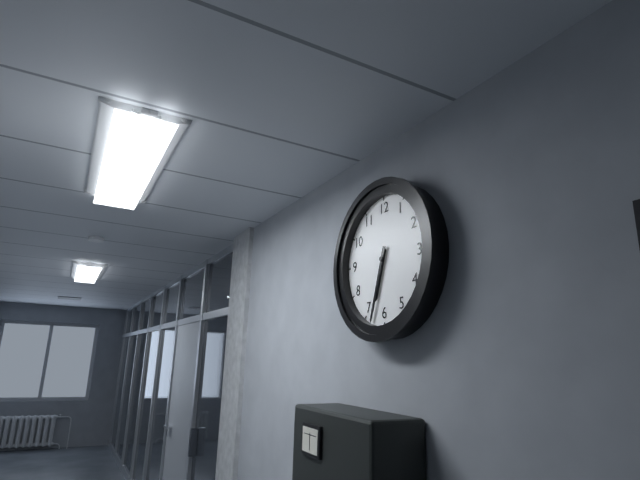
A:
**6:33**
